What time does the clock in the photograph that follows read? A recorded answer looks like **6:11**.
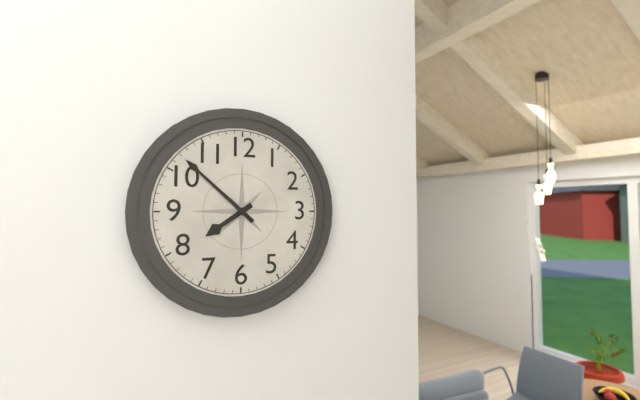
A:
**7:52**
